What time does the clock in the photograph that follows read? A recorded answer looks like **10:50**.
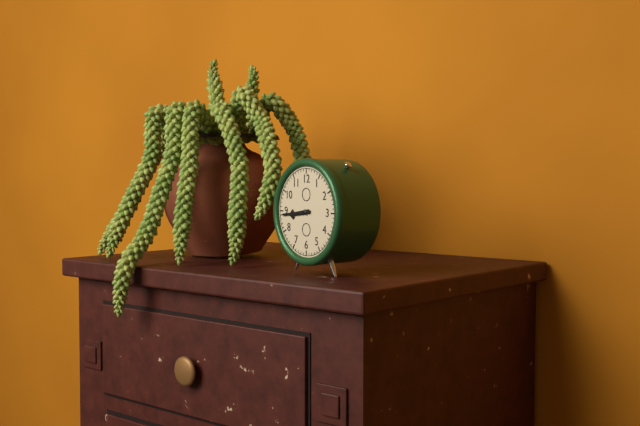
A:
**8:44**
